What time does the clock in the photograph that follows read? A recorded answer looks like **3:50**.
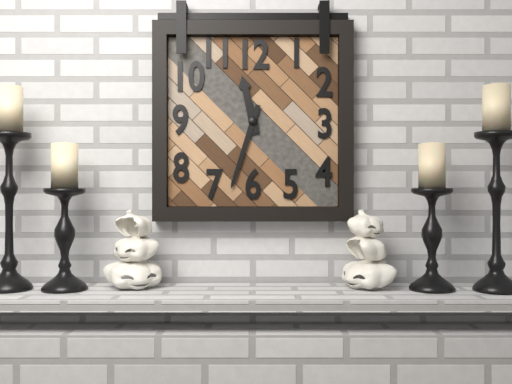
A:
**11:33**
